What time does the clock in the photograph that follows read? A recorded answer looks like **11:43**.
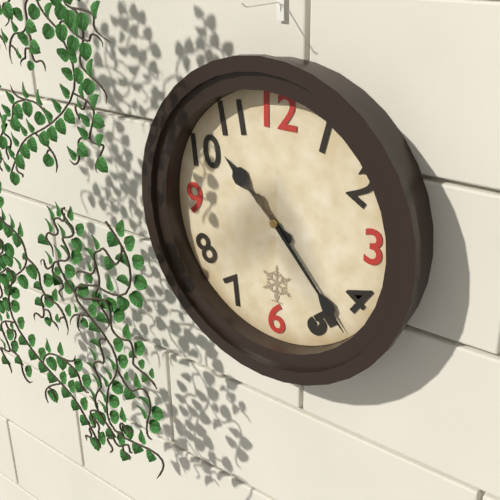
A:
**10:23**
